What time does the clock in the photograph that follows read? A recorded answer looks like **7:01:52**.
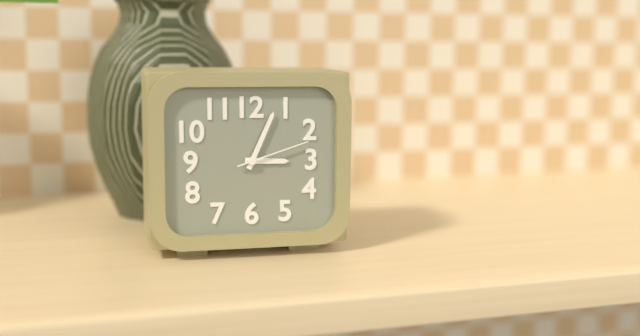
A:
**3:04:12**
